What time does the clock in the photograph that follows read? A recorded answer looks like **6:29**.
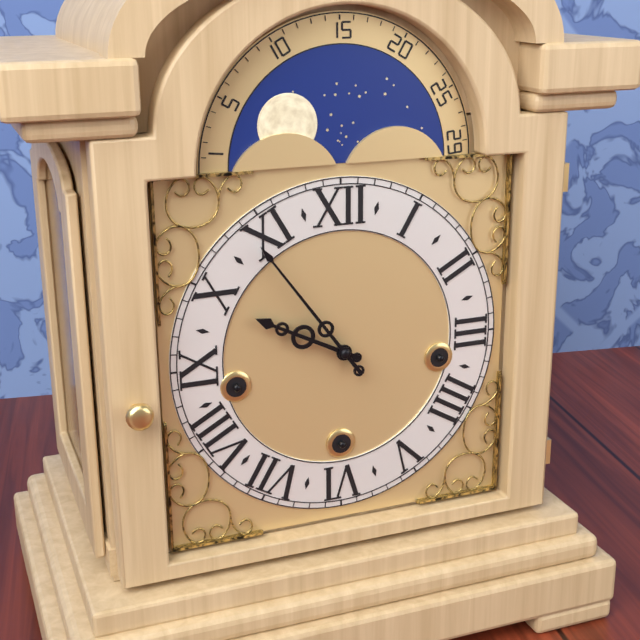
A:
**9:54**
